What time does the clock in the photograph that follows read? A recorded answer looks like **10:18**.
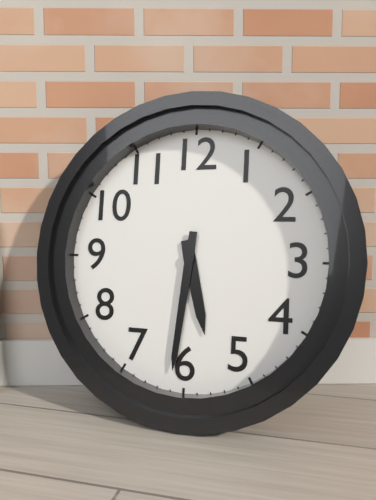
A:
**5:31**
